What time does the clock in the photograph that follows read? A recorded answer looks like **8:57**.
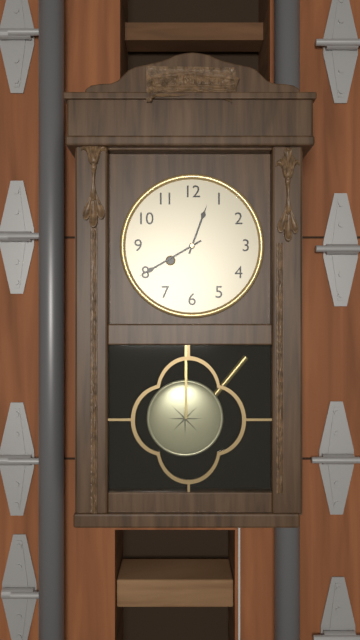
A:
**12:40**
